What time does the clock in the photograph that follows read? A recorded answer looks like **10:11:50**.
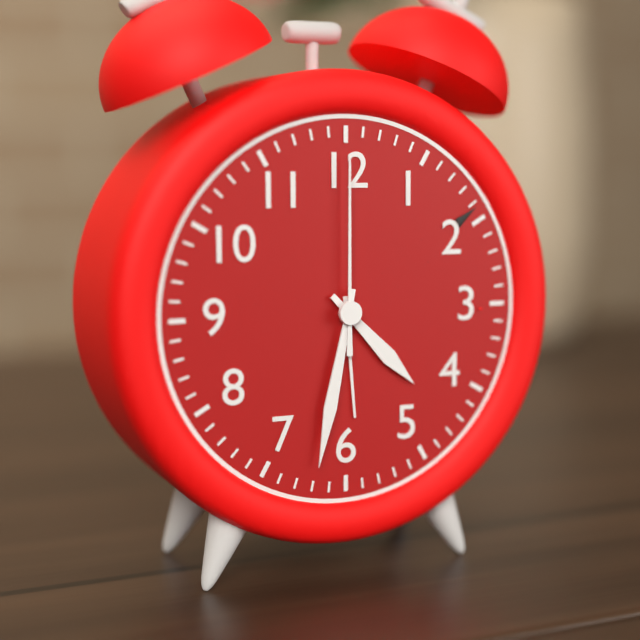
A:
**4:32:00**
